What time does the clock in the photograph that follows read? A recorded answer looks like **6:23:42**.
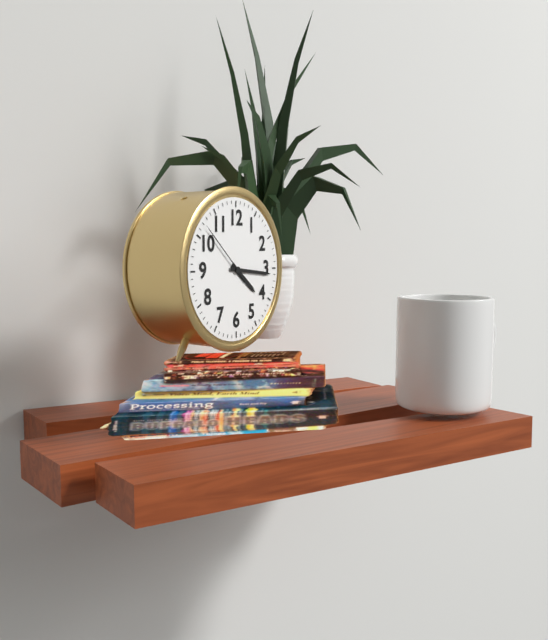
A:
**4:16:52**
